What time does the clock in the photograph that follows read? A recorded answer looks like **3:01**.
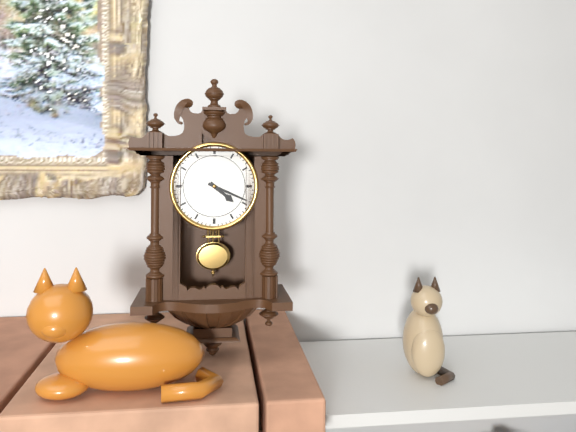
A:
**4:19**
